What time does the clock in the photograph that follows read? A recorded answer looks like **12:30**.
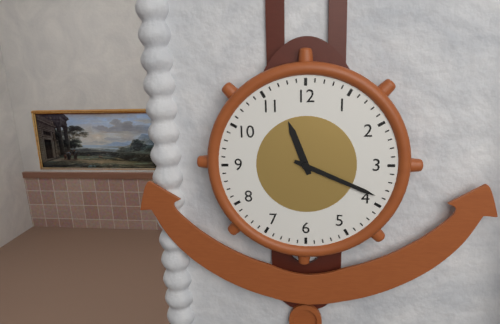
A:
**11:19**
